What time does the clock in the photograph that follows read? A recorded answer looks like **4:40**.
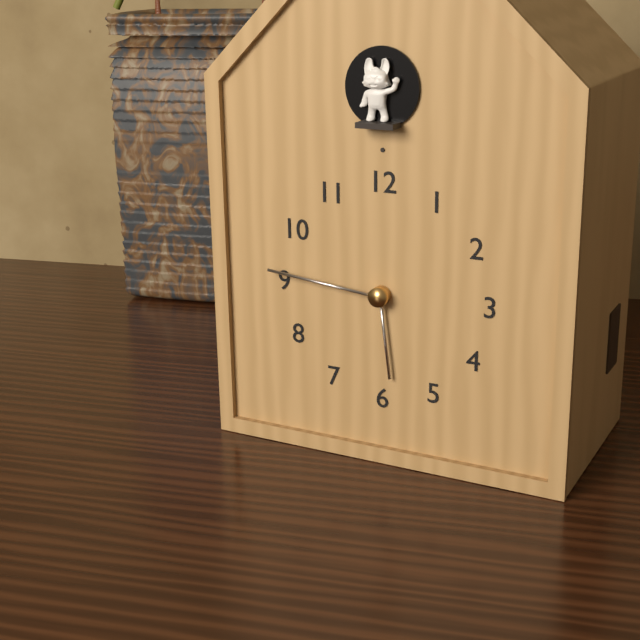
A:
**5:46**
